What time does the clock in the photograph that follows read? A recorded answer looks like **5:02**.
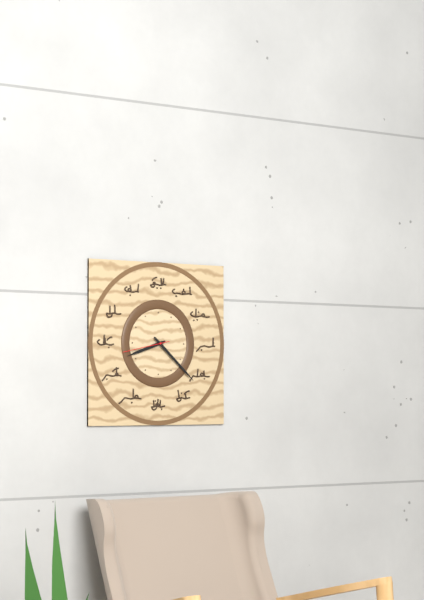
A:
**8:22**
